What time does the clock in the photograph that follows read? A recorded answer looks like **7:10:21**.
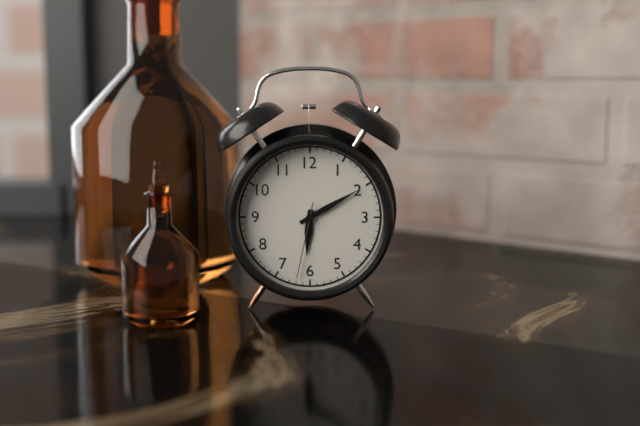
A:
**6:10:32**
